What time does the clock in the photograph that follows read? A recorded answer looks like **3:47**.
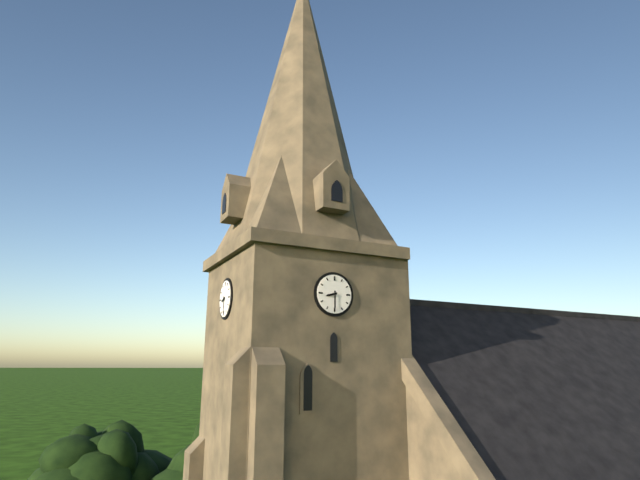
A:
**8:30**
